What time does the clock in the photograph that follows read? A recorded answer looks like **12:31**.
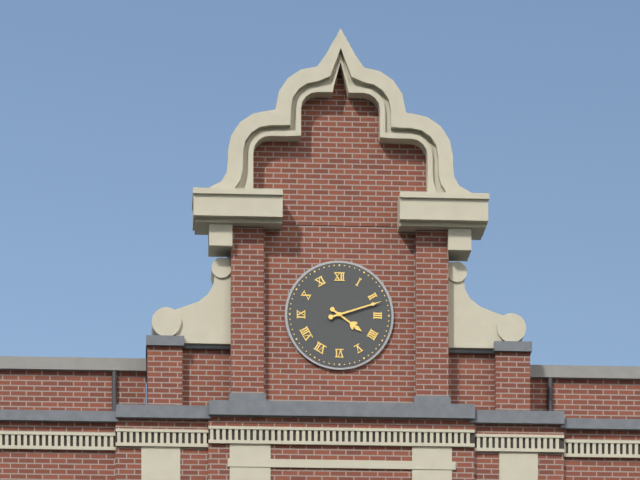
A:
**4:12**
